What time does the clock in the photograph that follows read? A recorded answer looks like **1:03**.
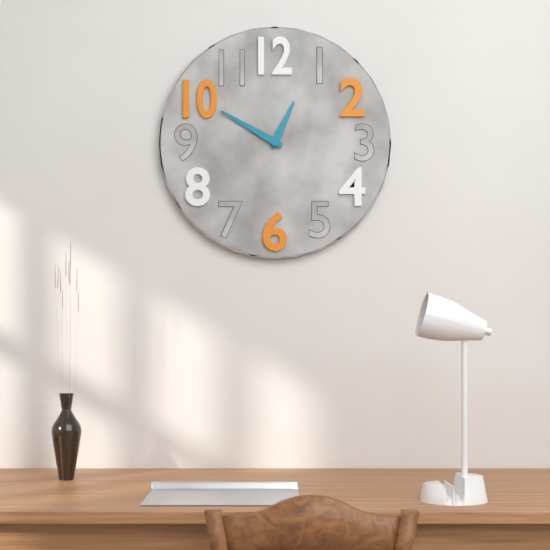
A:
**12:50**
